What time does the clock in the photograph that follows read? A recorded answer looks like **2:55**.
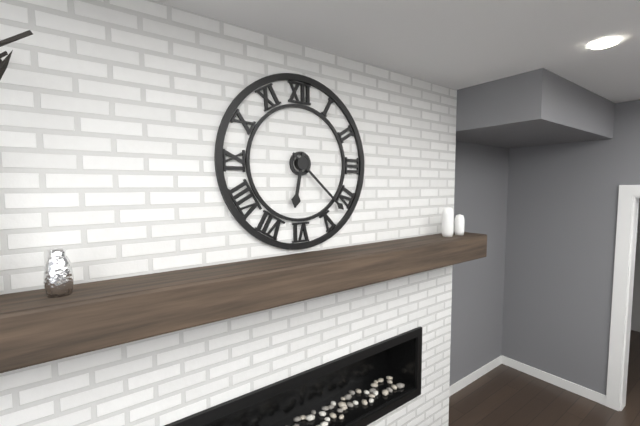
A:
**6:22**
